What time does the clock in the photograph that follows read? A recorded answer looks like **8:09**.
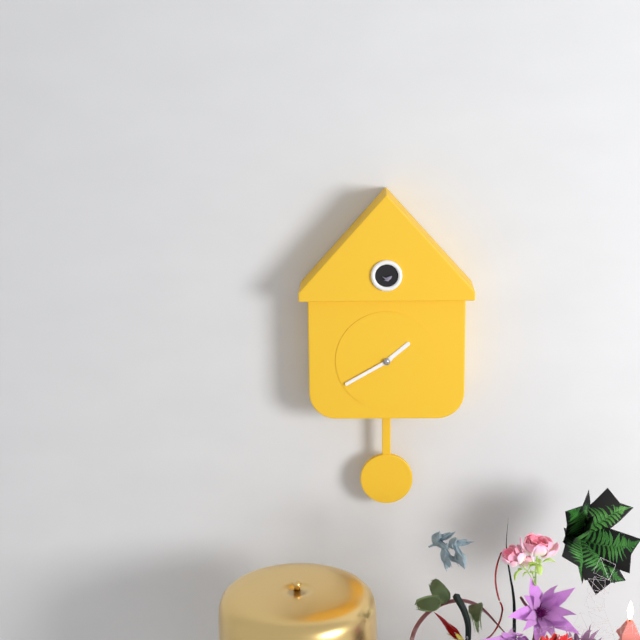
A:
**1:40**
